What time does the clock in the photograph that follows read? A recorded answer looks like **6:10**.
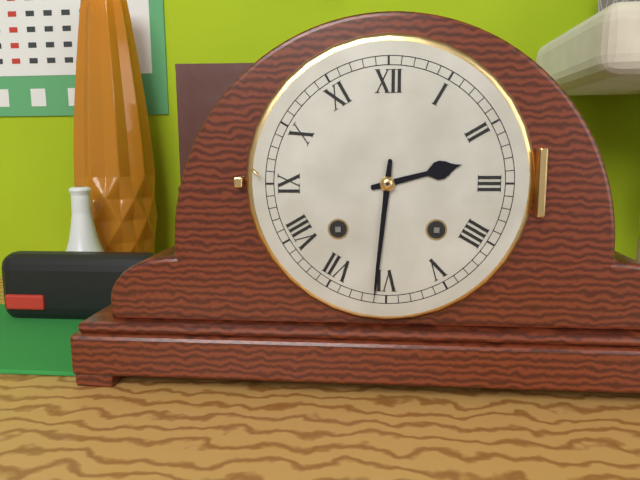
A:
**2:31**
